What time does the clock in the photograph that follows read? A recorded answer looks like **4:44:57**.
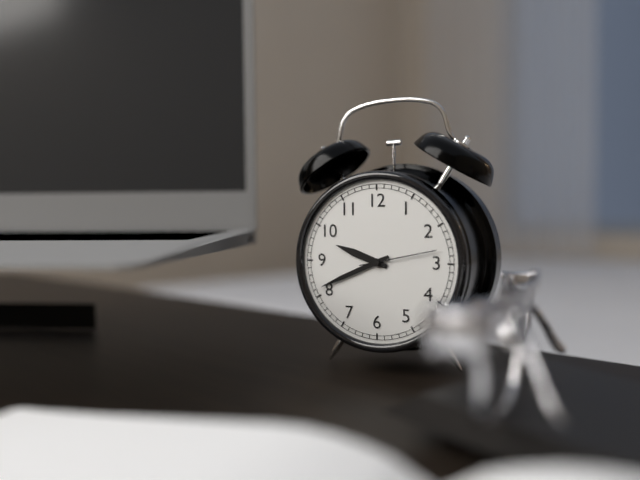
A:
**9:41:13**
